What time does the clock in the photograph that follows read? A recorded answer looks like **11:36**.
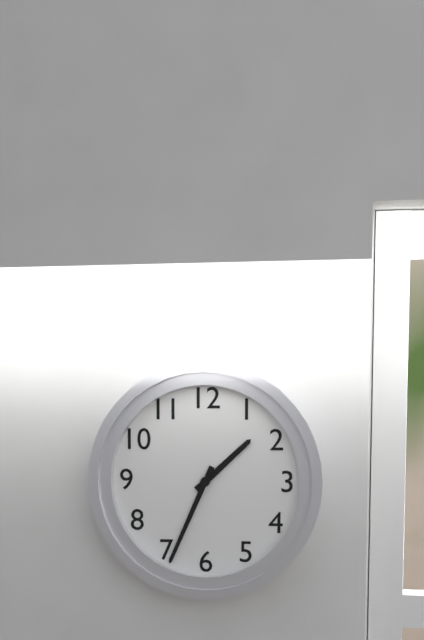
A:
**1:34**
